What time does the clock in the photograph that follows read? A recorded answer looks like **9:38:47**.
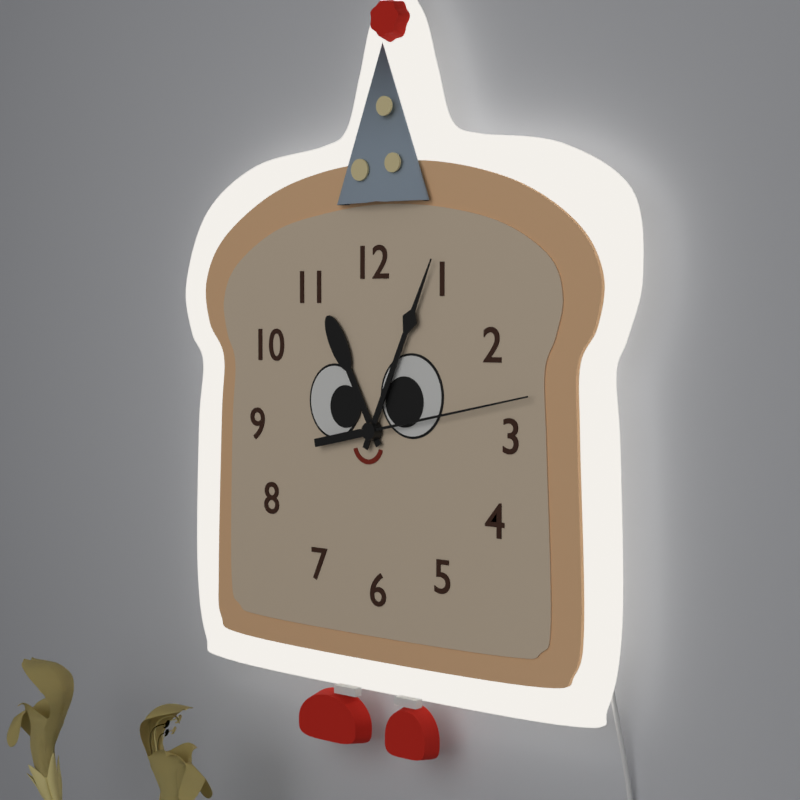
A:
**11:04:13**
